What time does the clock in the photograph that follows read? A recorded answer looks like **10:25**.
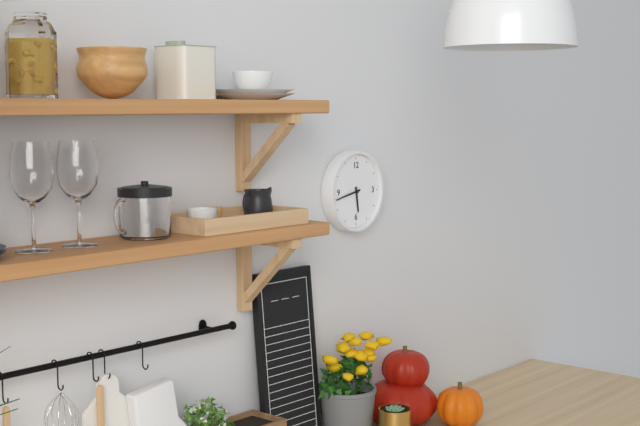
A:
**5:43**
